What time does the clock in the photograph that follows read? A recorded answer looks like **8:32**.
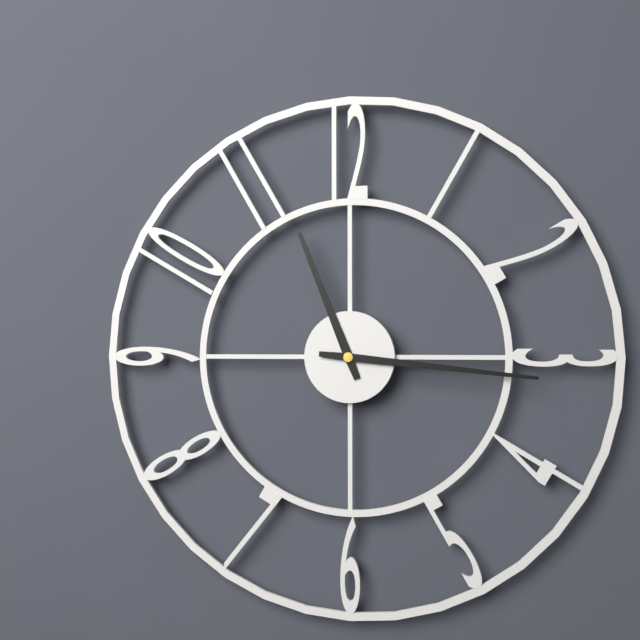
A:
**11:16**
